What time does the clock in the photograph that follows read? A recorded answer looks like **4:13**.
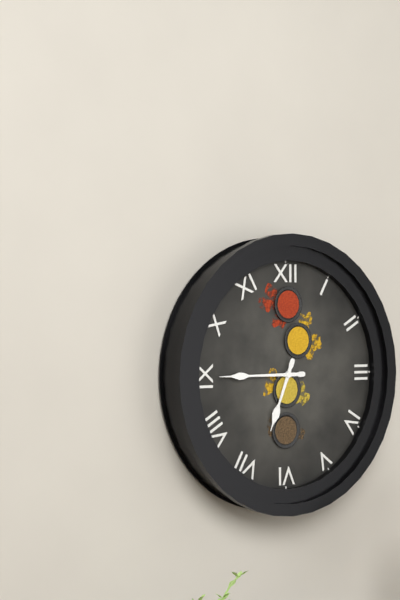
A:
**6:45**
